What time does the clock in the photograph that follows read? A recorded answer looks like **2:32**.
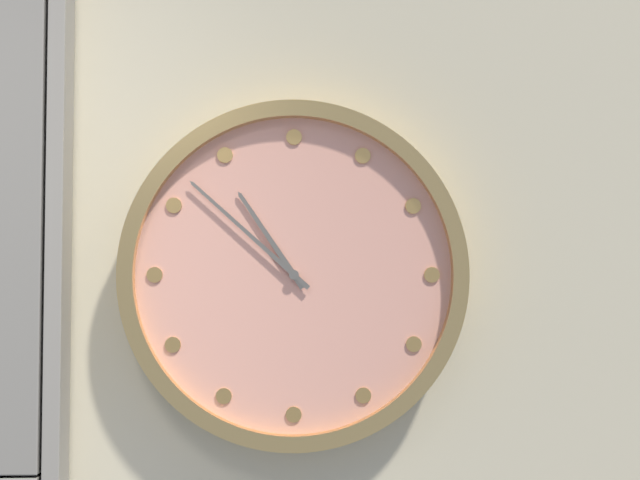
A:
**10:52**
